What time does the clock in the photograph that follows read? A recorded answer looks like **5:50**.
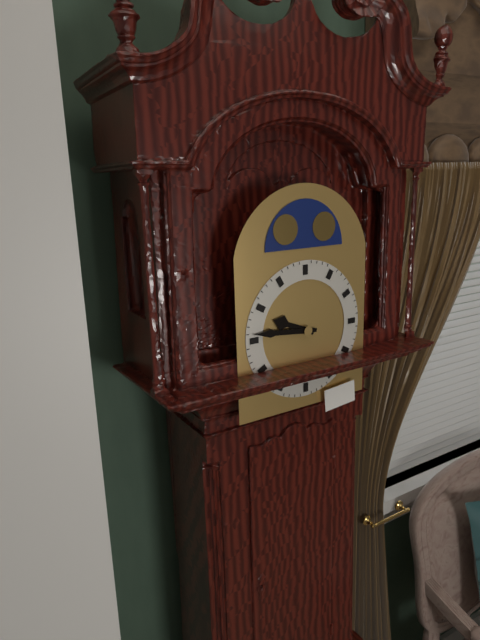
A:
**9:46**
